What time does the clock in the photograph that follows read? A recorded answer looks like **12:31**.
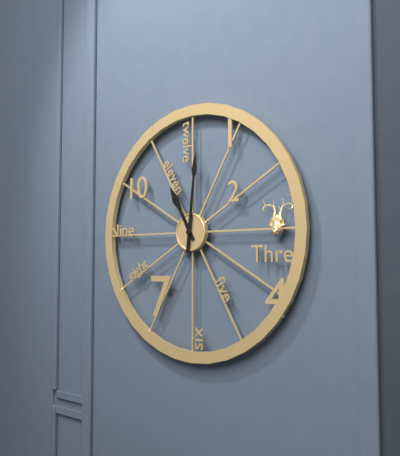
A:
**11:01**
